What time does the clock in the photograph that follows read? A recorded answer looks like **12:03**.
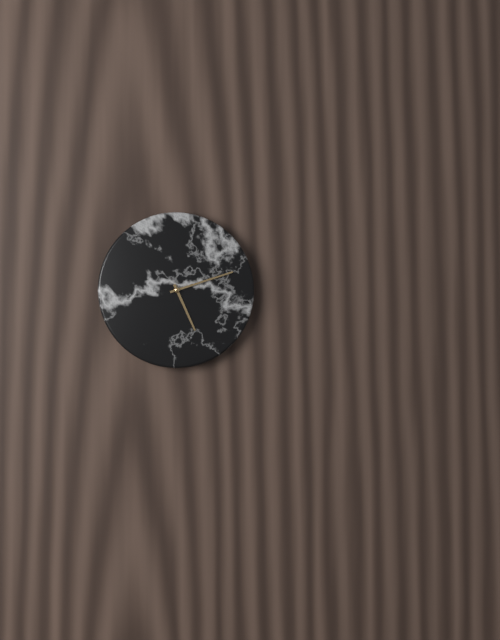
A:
**5:12**
